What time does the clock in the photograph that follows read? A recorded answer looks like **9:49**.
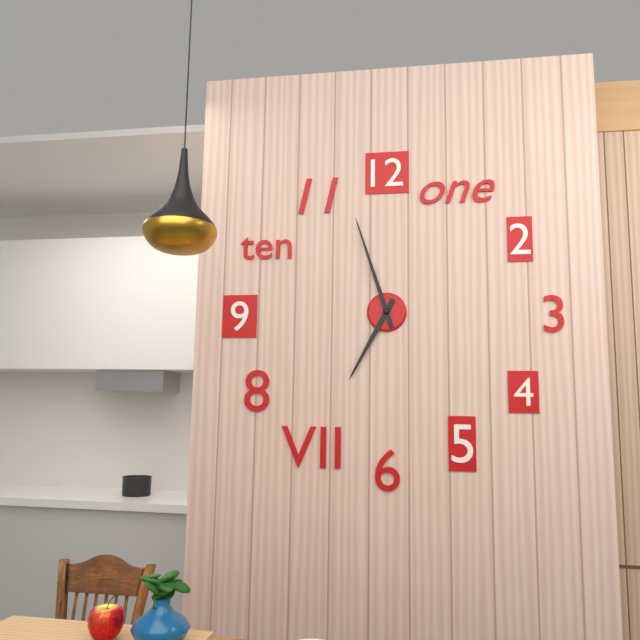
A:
**6:57**
